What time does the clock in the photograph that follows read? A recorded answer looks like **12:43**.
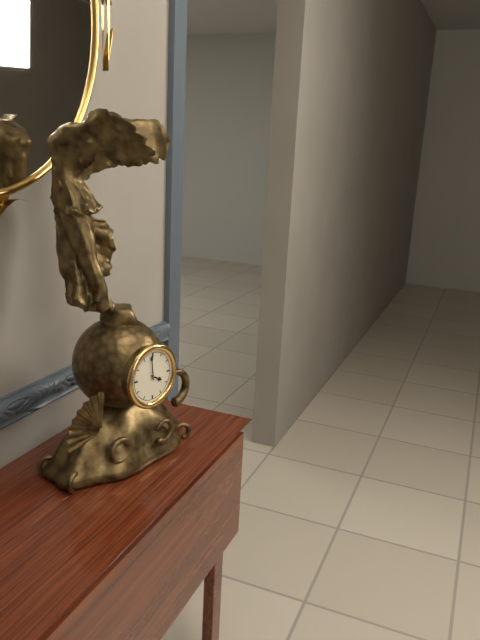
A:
**3:59**
